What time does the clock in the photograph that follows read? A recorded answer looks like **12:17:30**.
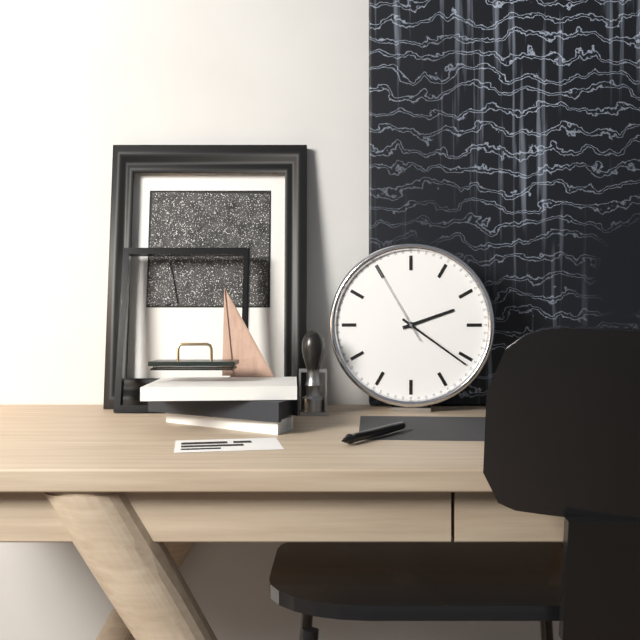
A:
**2:21:55**
